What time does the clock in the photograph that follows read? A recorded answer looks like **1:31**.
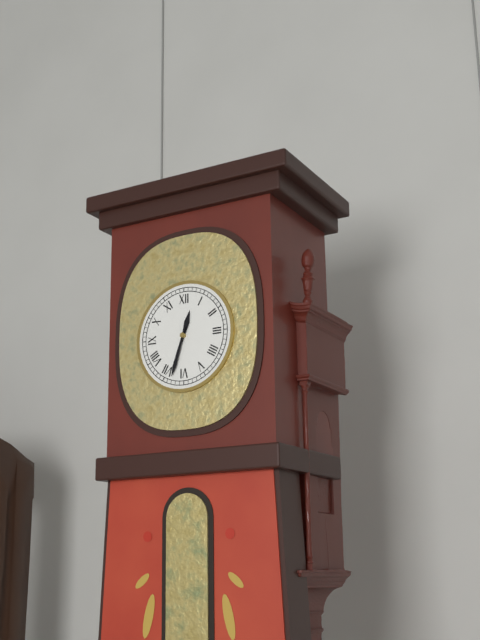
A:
**12:33**
